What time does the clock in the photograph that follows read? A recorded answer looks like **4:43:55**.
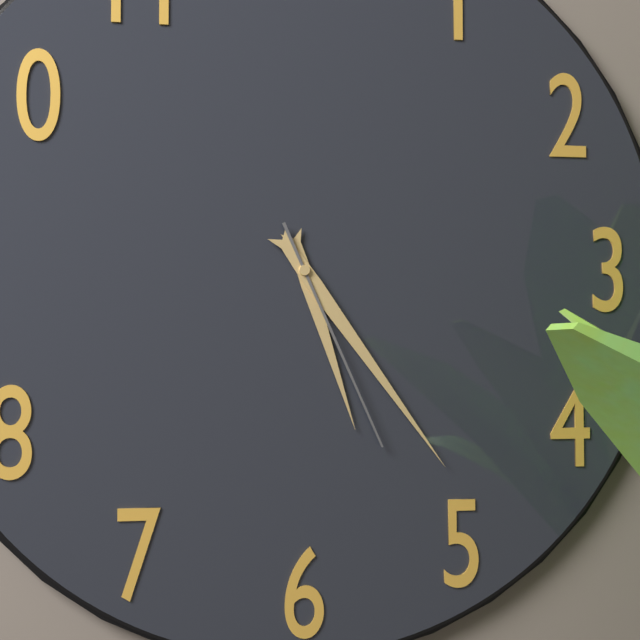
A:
**5:24:26**
